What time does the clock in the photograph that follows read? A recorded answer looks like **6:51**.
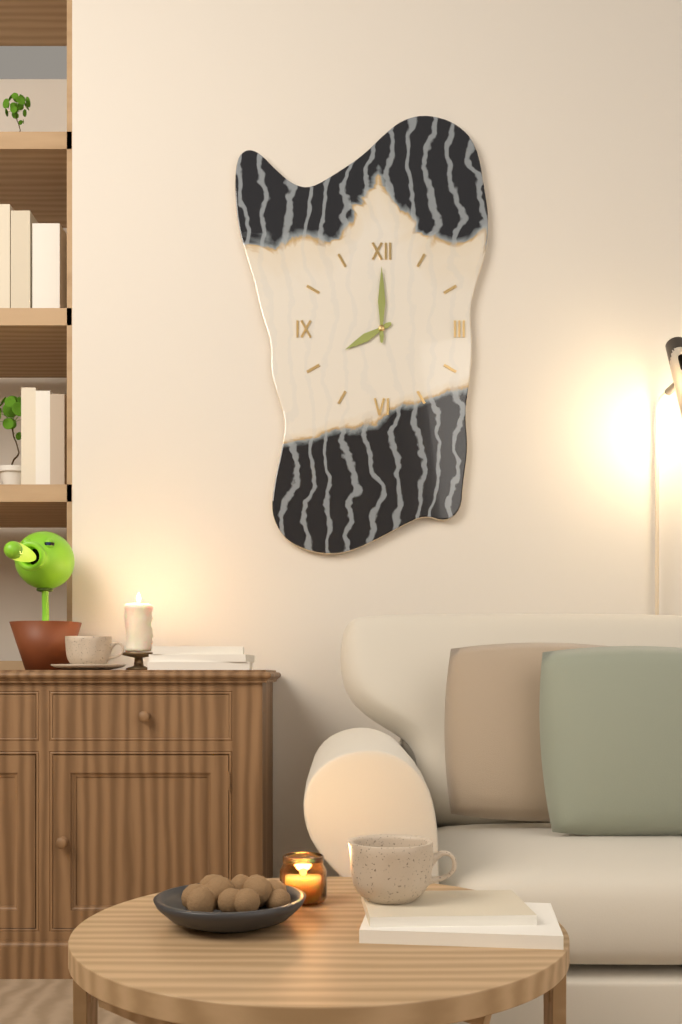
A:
**8:00**
